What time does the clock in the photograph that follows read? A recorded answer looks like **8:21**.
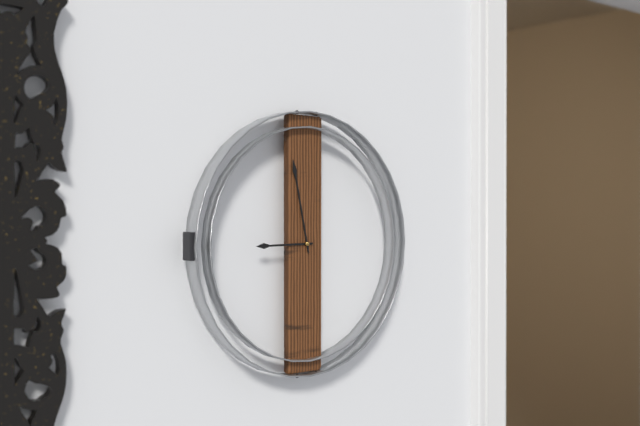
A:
**8:58**
